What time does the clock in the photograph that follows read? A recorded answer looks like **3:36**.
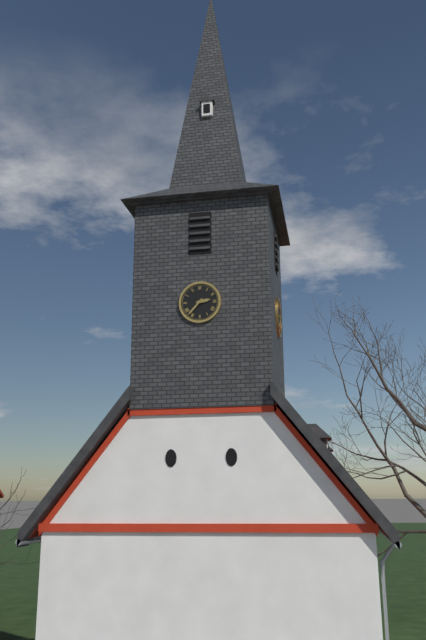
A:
**2:37**
